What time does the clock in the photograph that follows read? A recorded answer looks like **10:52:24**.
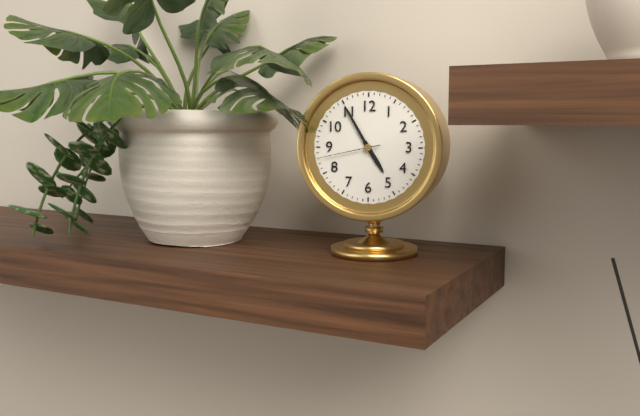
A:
**4:55:43**
